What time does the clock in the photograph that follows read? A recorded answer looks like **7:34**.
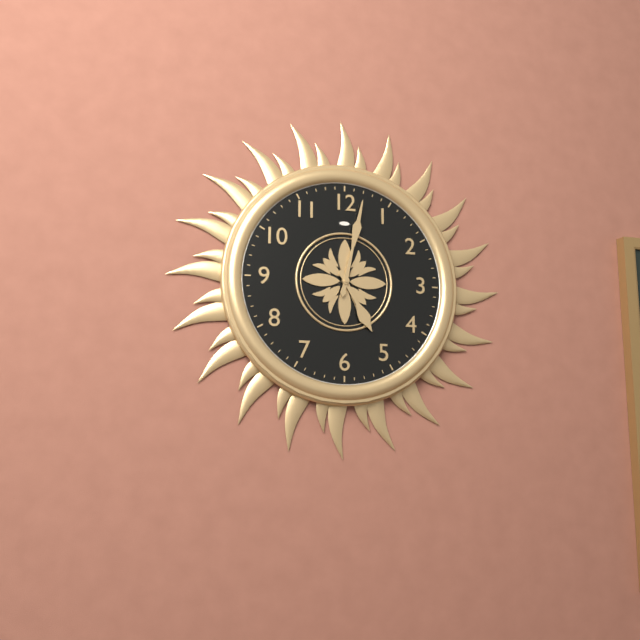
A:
**5:02**
